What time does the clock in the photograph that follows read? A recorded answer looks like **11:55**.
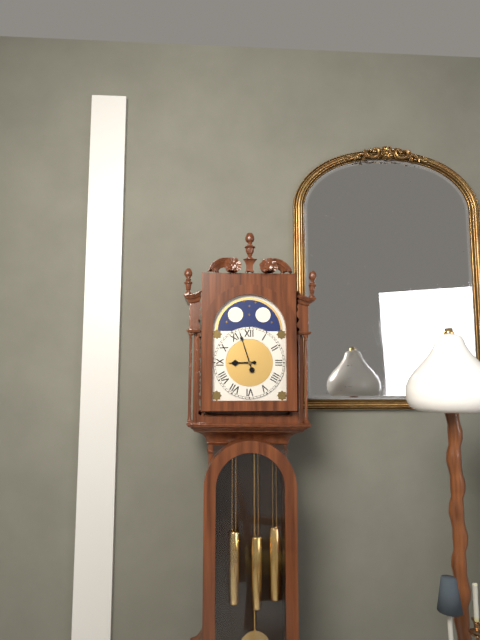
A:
**8:57**
